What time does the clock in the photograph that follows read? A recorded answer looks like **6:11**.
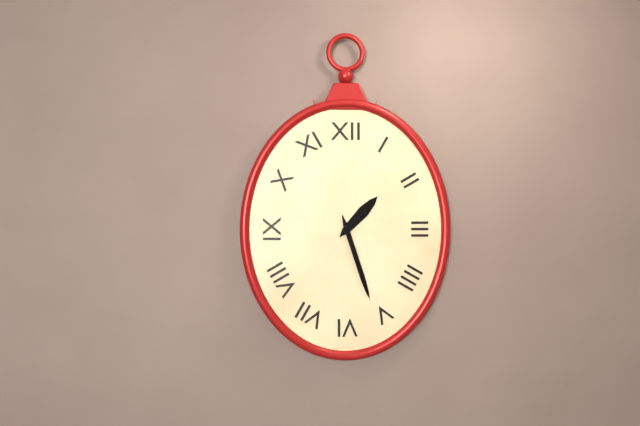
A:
**1:27**
